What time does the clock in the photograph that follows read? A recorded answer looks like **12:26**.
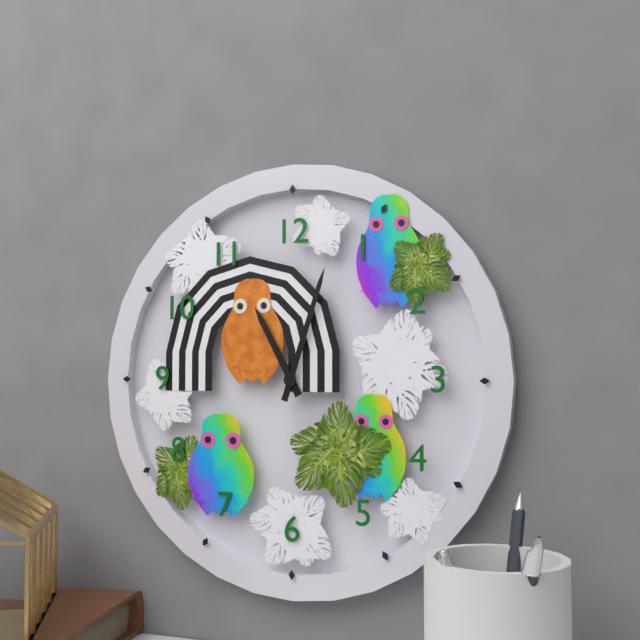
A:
**11:03**
